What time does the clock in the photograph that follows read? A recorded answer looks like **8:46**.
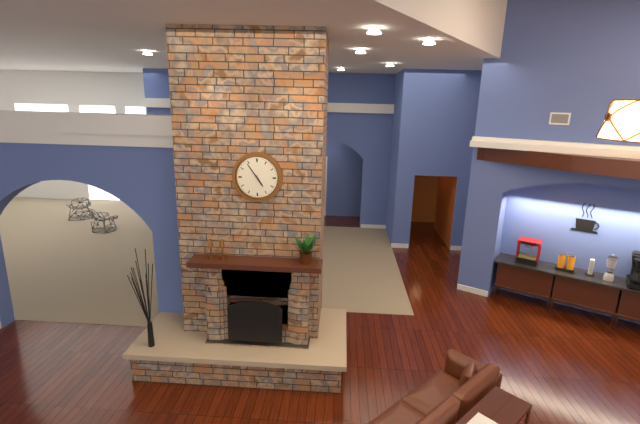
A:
**4:54**
